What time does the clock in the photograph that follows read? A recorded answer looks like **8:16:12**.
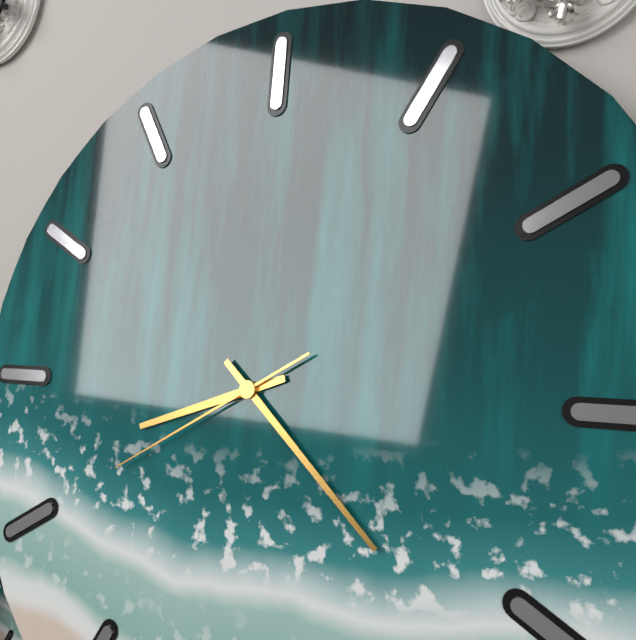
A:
**8:22:40**
